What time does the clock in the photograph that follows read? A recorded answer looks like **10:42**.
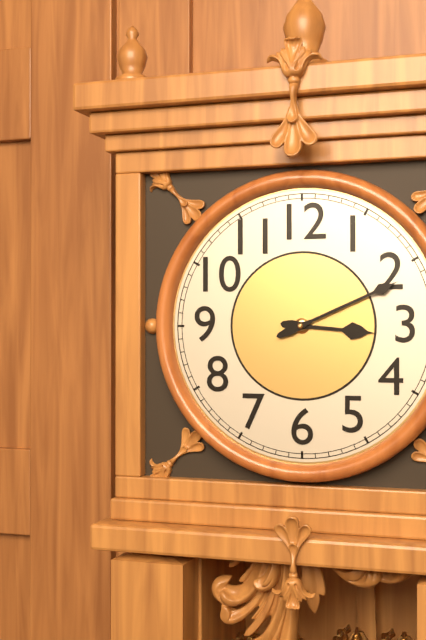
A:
**3:11**
